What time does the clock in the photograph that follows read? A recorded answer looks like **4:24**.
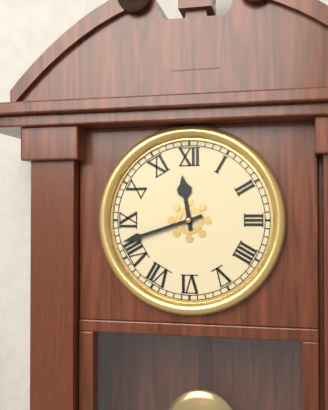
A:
**11:42**
